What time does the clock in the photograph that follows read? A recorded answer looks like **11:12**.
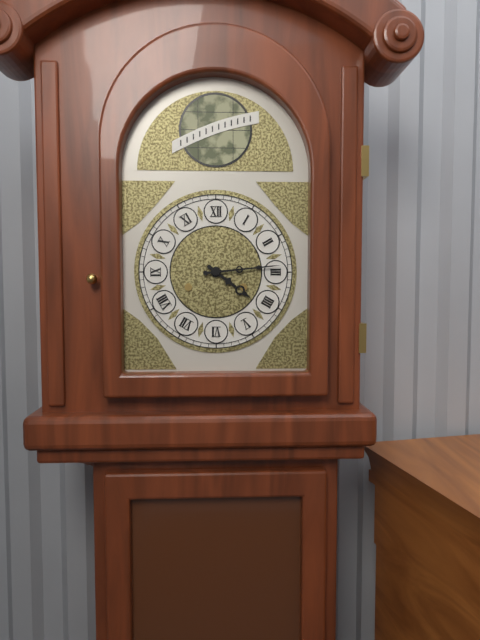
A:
**4:14**
